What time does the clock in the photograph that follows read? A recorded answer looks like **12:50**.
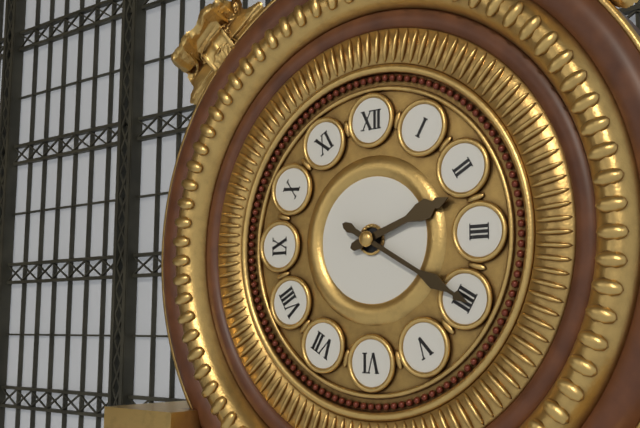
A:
**2:20**
